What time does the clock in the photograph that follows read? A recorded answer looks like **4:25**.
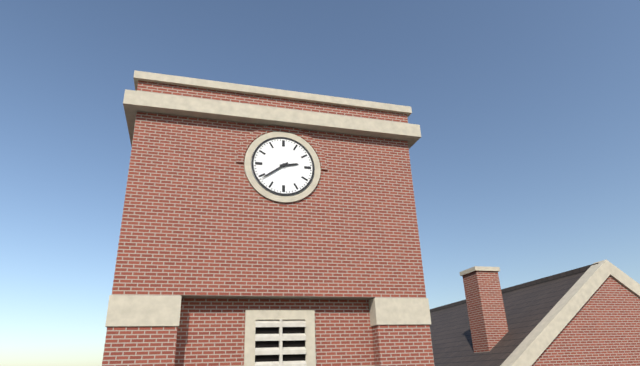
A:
**2:39**
